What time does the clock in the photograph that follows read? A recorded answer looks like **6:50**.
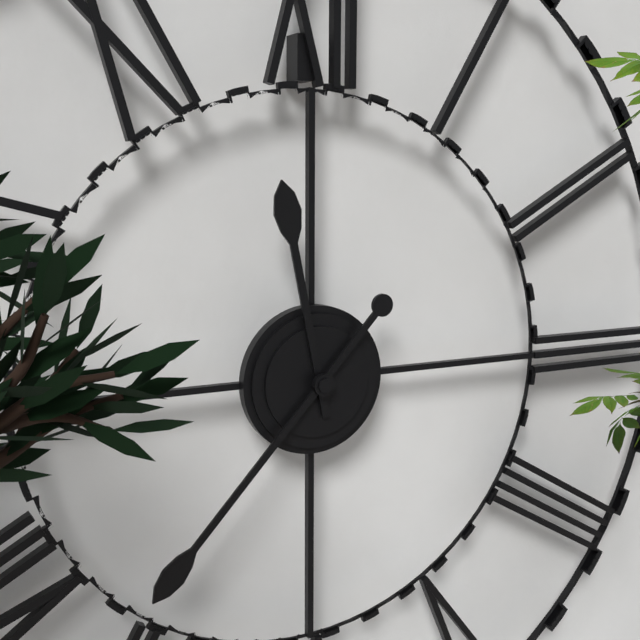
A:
**11:37**
